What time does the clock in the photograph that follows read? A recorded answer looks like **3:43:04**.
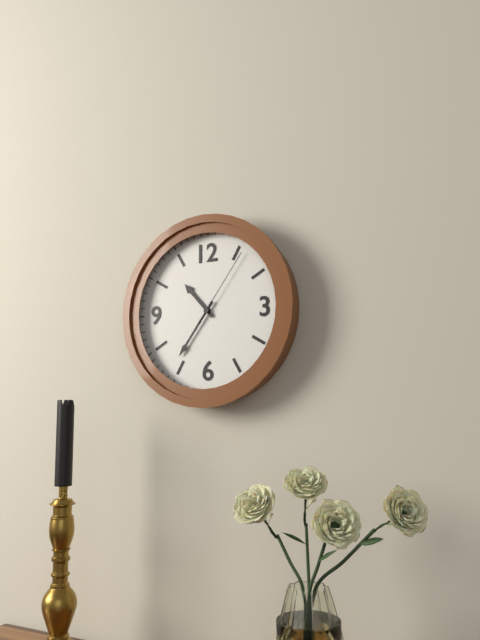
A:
**10:36:06**
